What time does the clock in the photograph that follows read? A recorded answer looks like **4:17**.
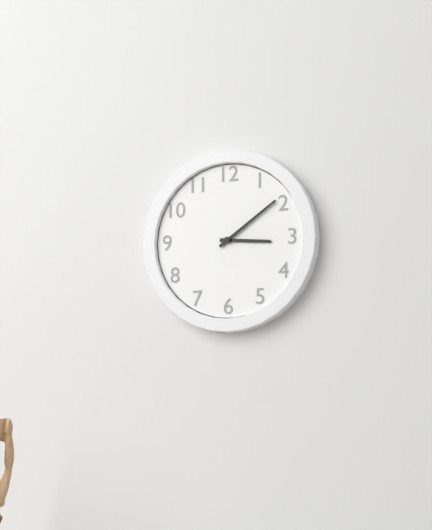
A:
**3:09**
